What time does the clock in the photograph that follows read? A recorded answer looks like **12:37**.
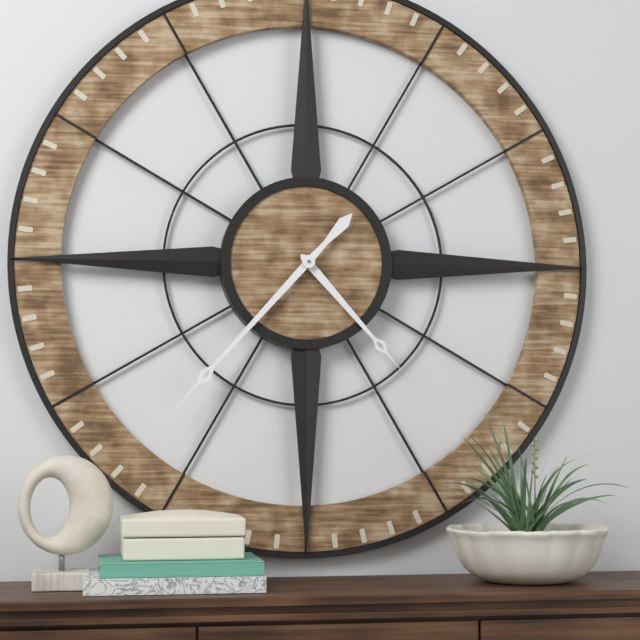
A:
**4:37**
